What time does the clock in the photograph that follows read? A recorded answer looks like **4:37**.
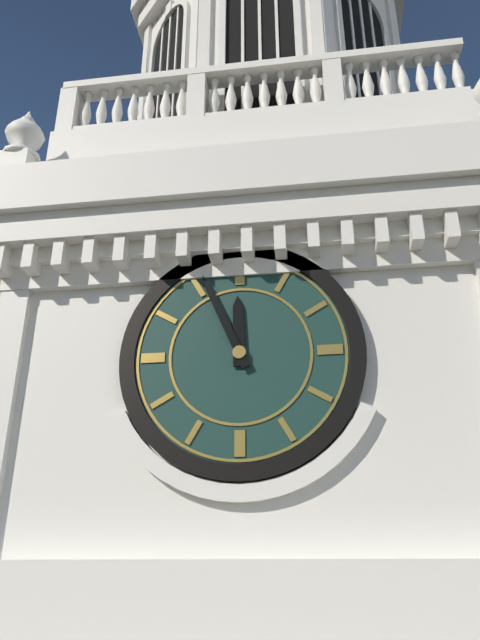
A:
**11:56**
